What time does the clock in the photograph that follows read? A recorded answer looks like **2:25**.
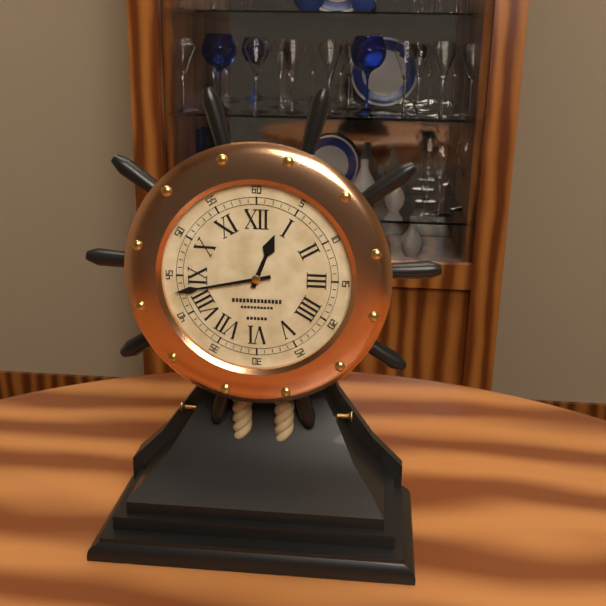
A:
**12:43**
